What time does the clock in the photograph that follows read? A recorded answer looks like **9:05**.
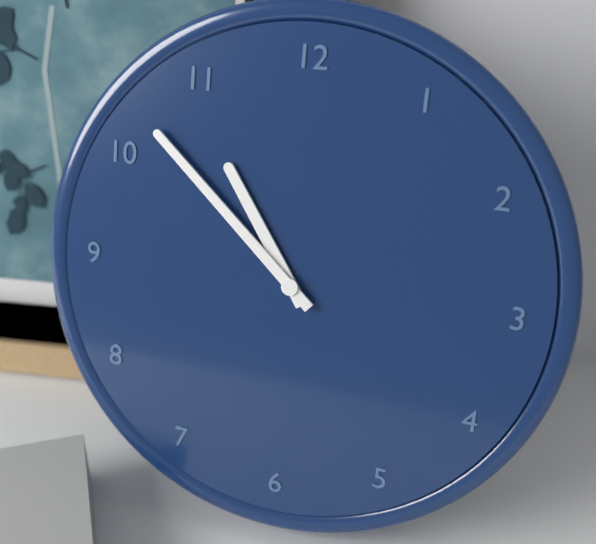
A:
**10:52**
